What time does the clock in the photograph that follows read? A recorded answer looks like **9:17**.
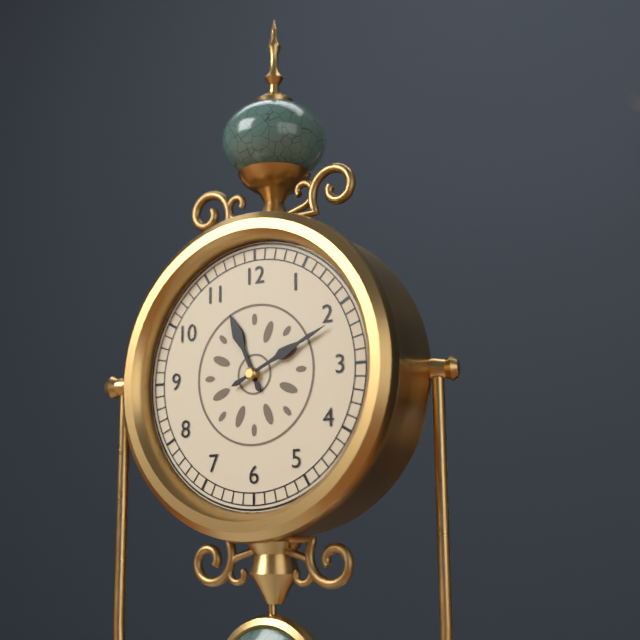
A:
**11:11**
